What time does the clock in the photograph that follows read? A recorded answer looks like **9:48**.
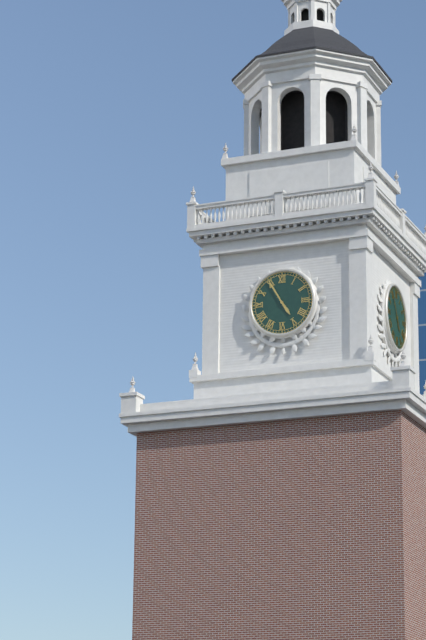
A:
**4:55**
